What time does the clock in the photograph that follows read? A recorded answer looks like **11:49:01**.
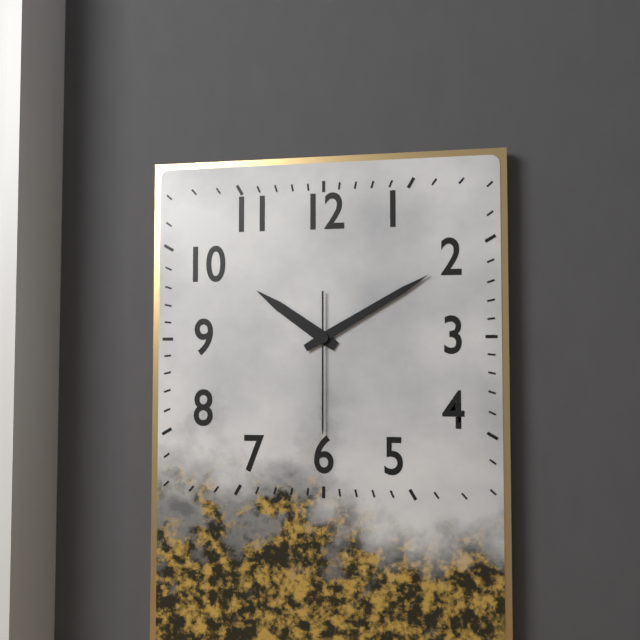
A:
**10:10:30**
